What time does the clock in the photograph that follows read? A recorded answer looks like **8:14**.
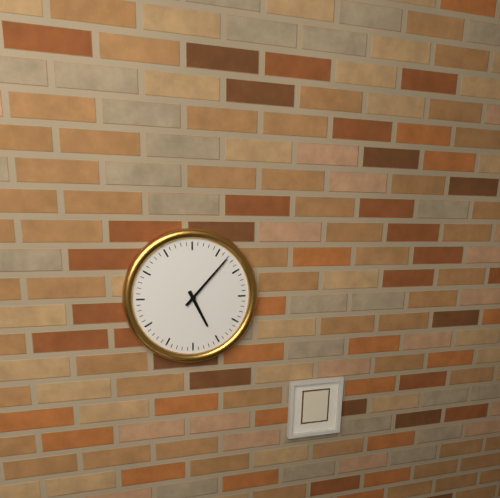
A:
**5:07**
